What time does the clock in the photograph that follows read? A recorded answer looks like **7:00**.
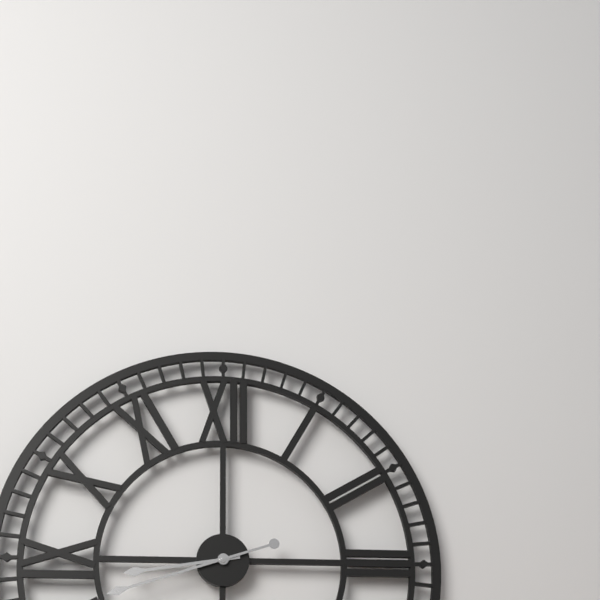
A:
**8:42**
